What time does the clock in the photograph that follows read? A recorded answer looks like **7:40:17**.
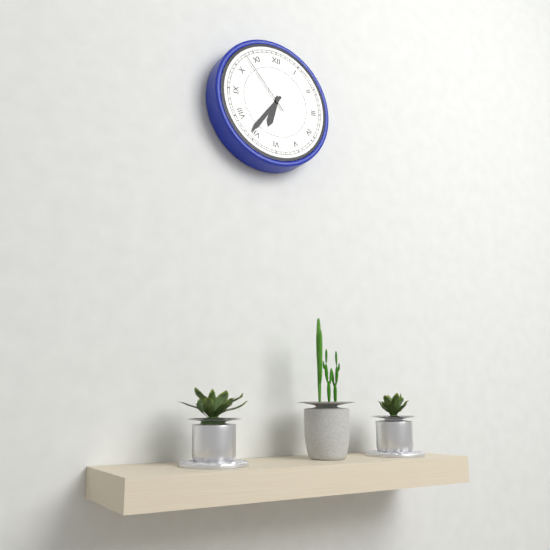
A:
**6:36:53**
